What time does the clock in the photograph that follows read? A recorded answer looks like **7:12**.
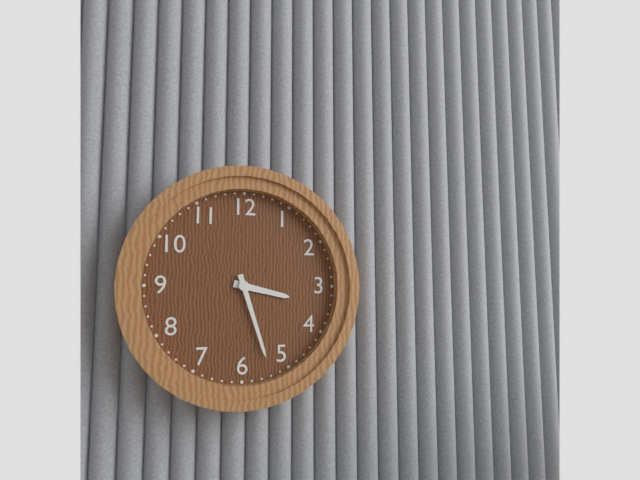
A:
**3:27**
